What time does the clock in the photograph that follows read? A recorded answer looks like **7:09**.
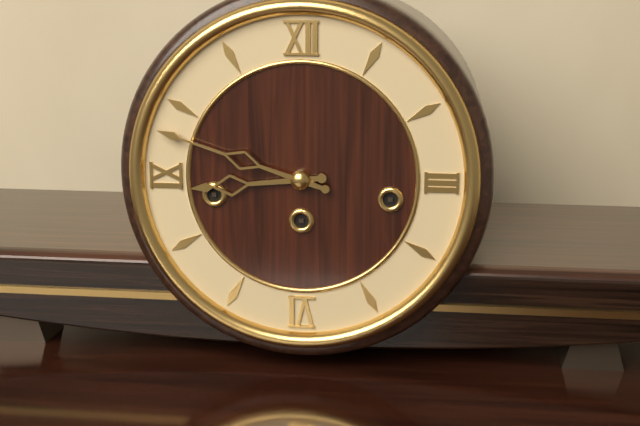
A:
**8:48**
